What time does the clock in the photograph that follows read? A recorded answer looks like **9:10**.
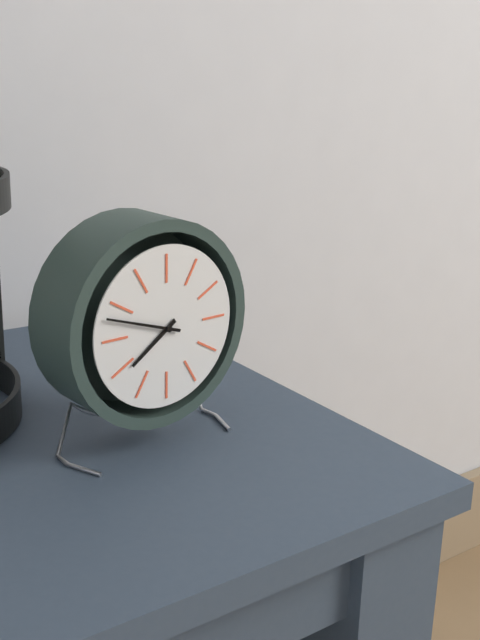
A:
**7:48**
